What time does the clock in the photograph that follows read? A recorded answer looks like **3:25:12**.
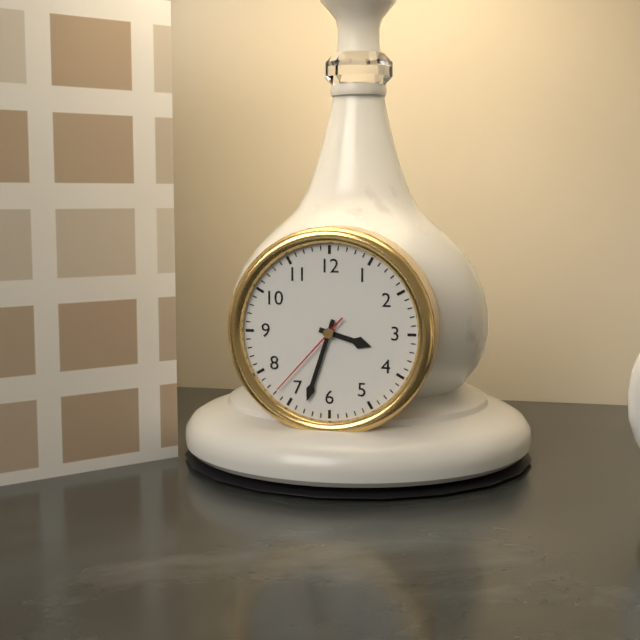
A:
**3:33:37**
